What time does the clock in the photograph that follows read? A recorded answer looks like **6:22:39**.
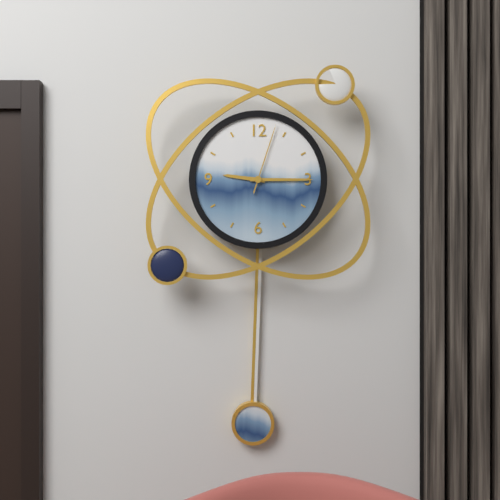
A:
**9:15:03**
